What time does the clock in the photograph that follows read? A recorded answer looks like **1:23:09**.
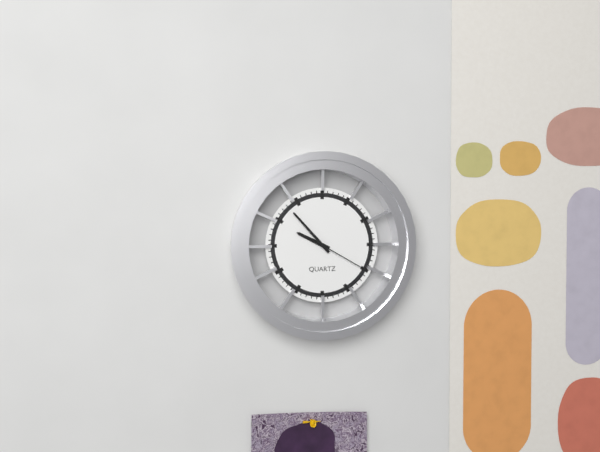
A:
**9:53:20**
